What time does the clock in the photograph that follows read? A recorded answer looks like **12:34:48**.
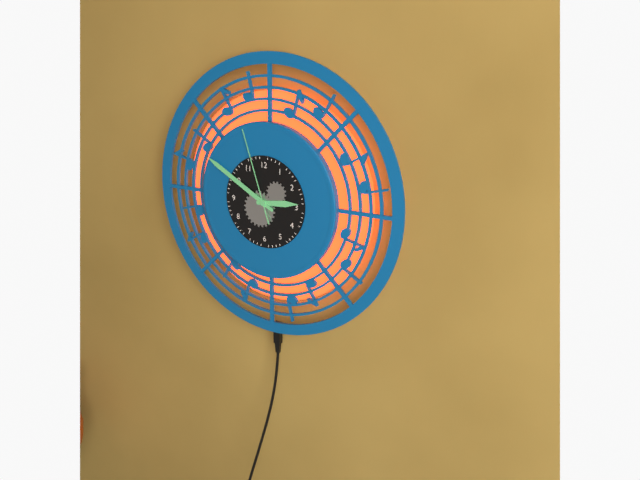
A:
**2:50:57**
